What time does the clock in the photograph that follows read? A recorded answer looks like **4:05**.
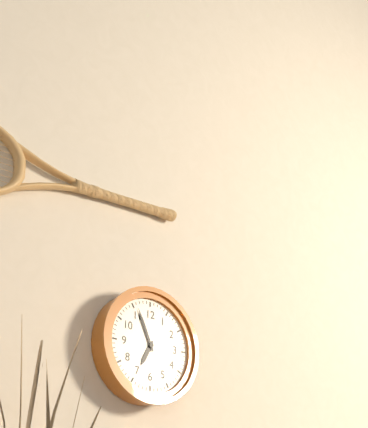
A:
**6:56**
